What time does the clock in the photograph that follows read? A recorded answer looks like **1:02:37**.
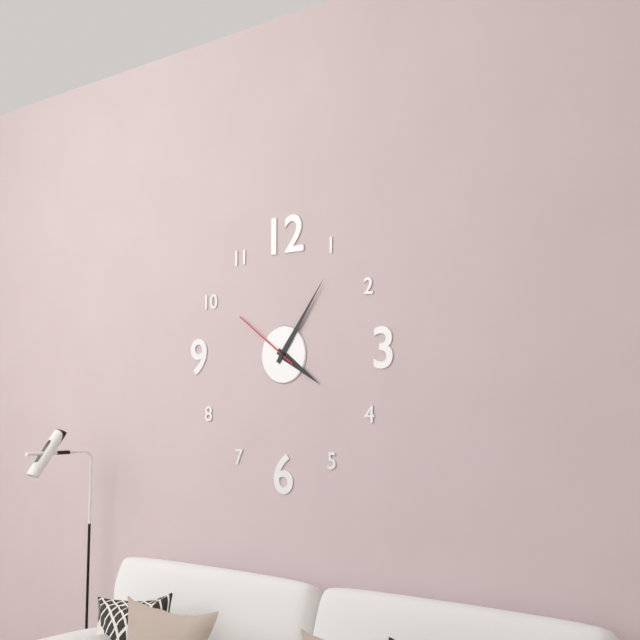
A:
**4:06:51**
